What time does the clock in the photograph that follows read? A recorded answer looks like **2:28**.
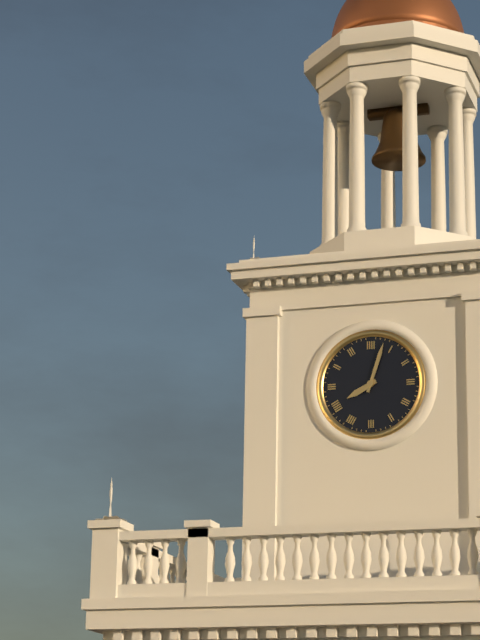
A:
**8:03**
